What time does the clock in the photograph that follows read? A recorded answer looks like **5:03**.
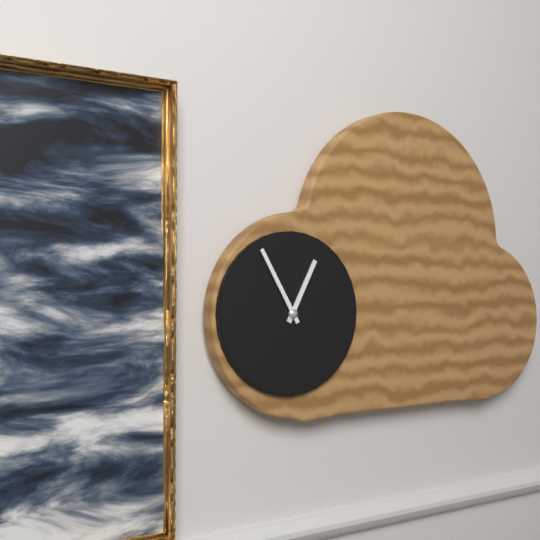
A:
**12:55**
